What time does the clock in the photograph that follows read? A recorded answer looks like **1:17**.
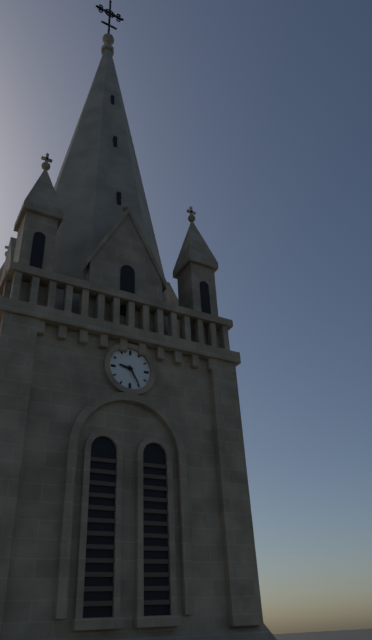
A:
**9:25**
